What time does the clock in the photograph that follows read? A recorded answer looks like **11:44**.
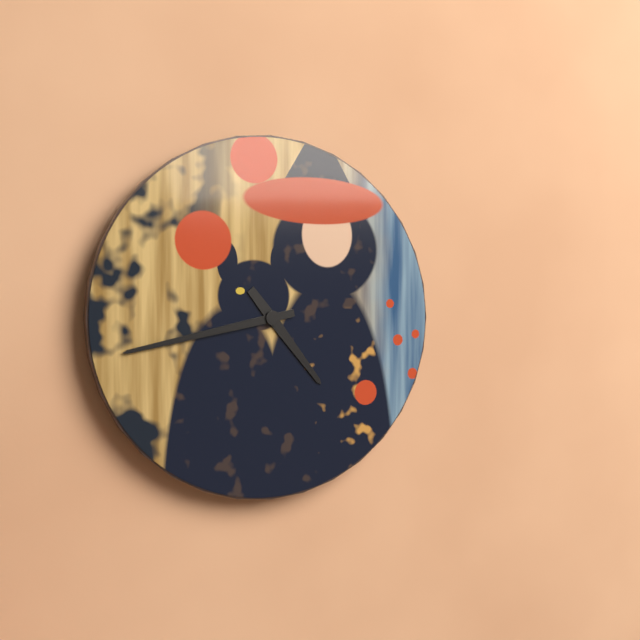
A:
**4:43**
